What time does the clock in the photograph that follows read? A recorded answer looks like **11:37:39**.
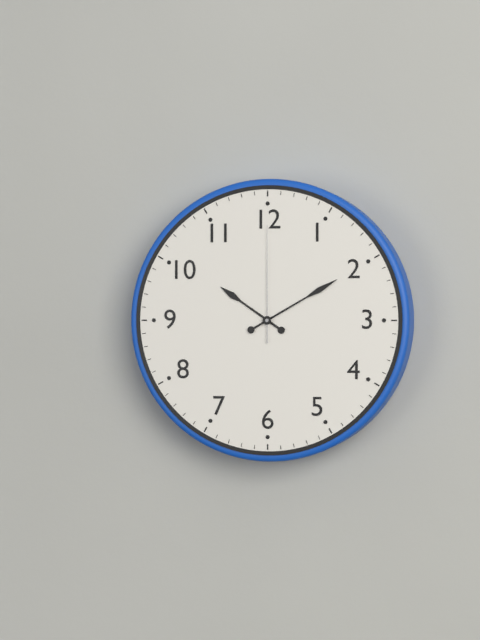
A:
**10:10:00**
